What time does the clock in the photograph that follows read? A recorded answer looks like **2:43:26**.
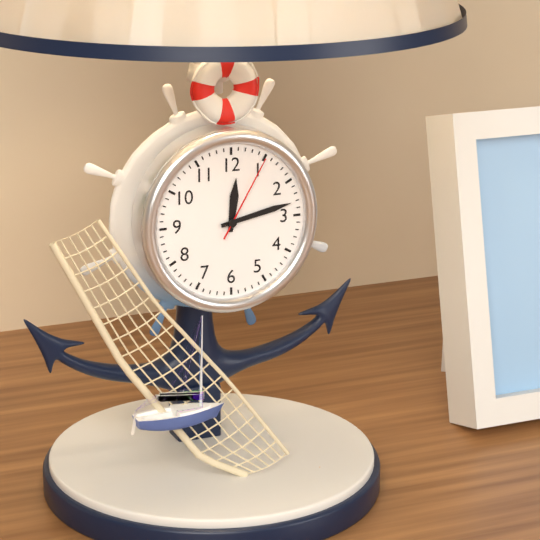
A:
**12:13:05**
